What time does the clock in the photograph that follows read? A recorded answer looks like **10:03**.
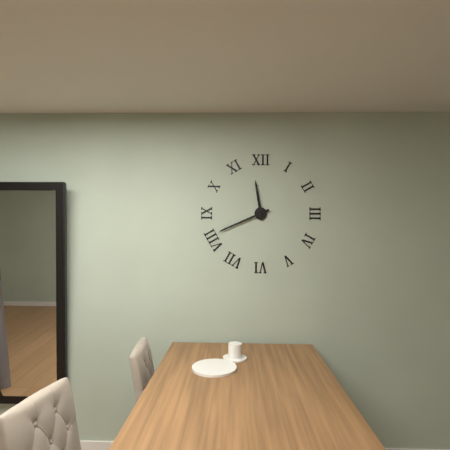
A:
**11:41**
